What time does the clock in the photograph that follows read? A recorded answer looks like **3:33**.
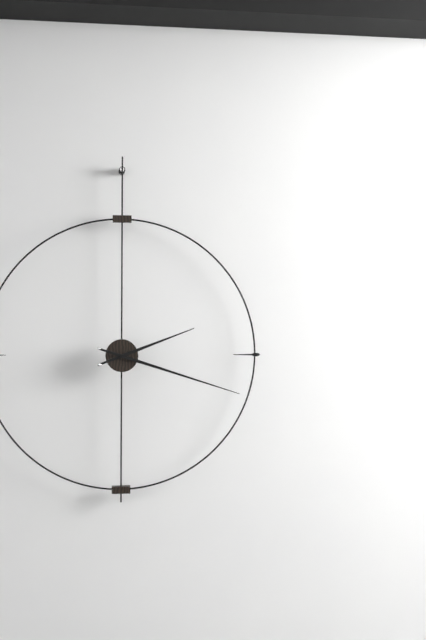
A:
**2:18**
